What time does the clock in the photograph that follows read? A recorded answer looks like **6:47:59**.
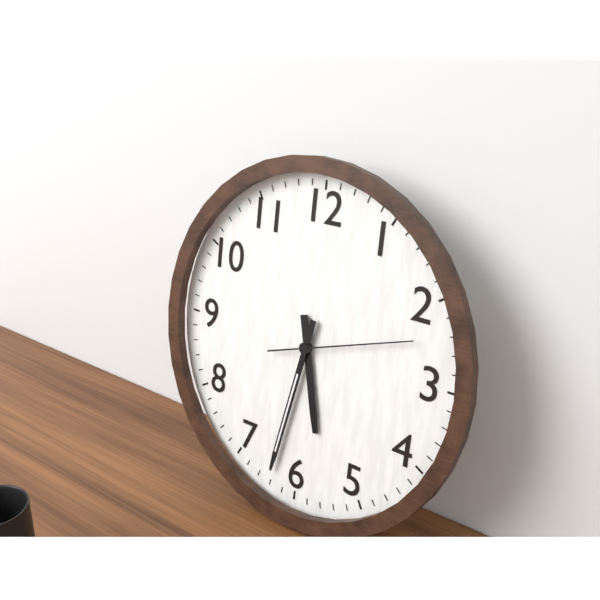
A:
**5:32:12**
